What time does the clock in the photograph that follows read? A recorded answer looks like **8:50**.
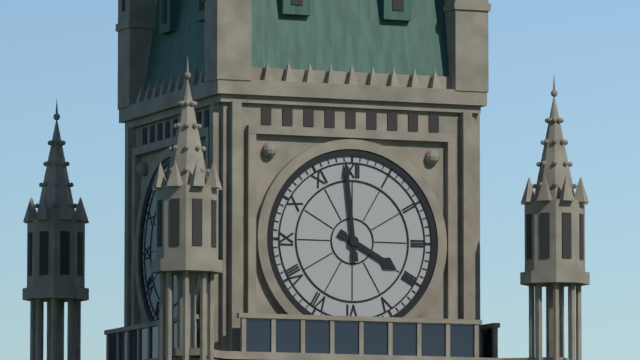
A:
**3:59**
